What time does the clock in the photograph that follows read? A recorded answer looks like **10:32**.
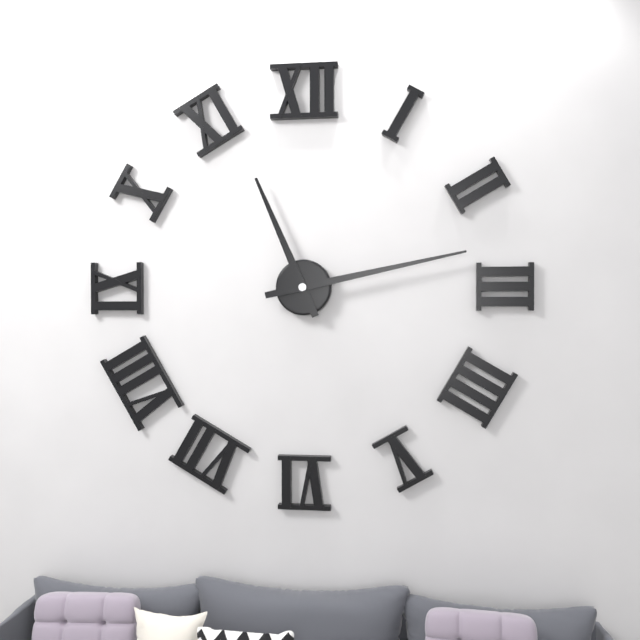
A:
**11:13**
